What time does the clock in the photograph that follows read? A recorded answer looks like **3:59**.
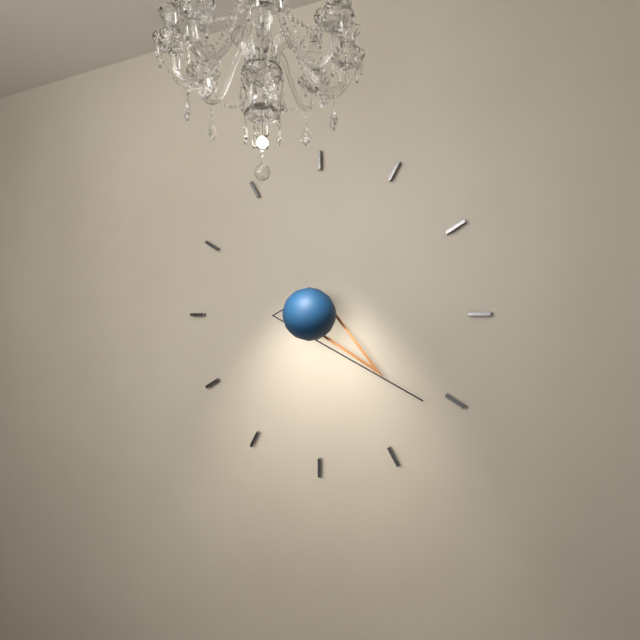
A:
**4:21**
